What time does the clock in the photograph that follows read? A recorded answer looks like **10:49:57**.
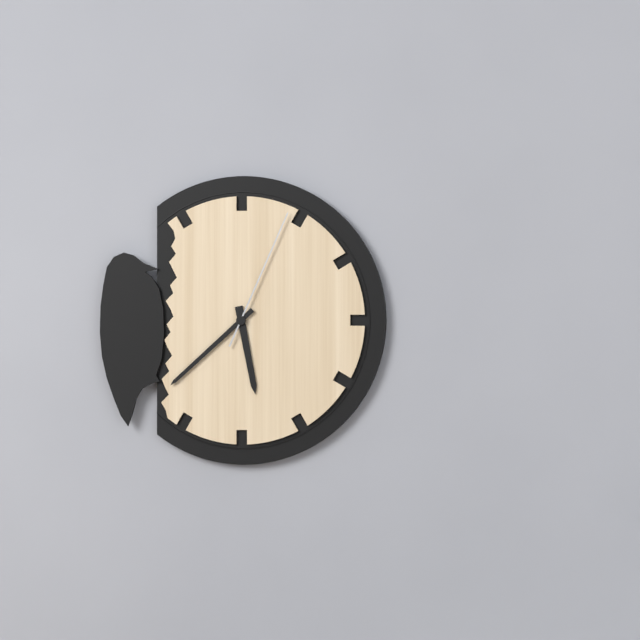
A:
**5:38:04**
